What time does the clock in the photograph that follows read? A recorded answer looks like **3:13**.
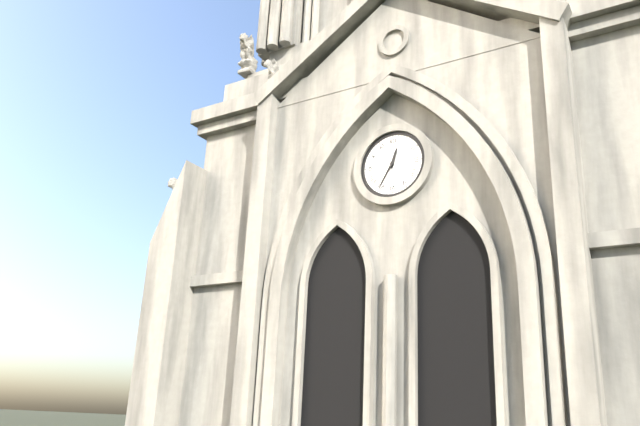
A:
**12:35**
